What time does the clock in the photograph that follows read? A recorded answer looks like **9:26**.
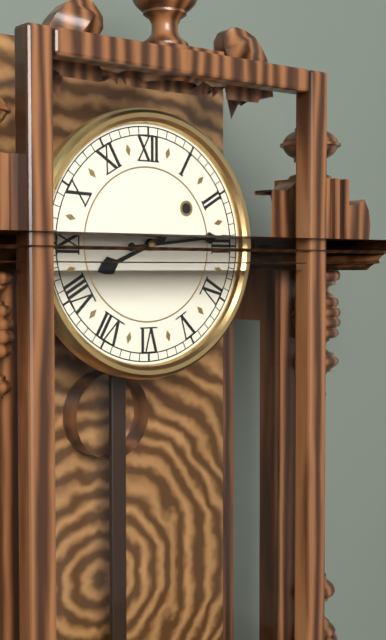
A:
**8:14**
